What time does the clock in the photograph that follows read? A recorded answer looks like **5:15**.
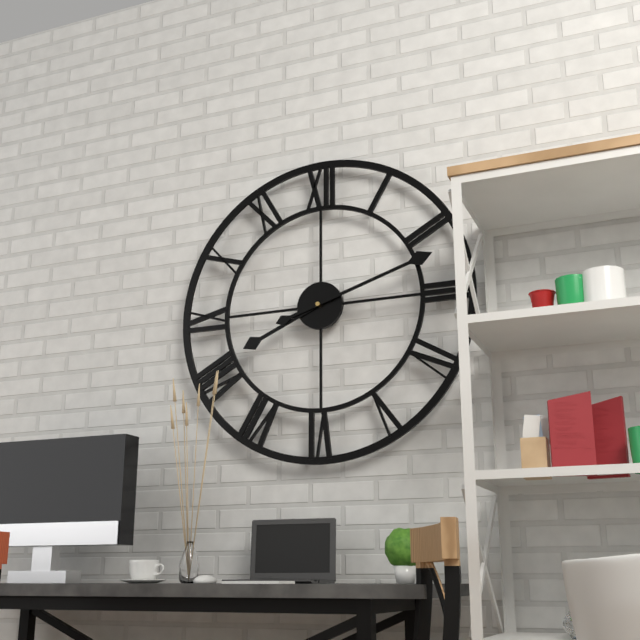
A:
**8:12**
